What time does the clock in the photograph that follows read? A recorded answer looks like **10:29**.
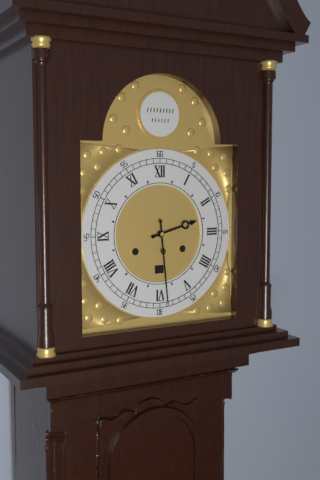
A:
**2:29**
